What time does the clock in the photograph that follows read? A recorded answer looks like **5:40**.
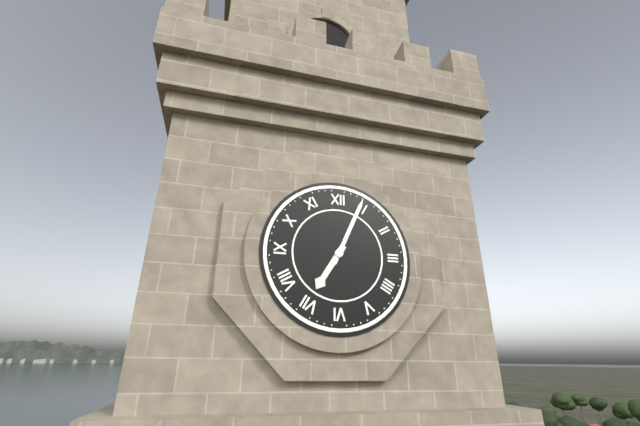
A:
**7:04**
